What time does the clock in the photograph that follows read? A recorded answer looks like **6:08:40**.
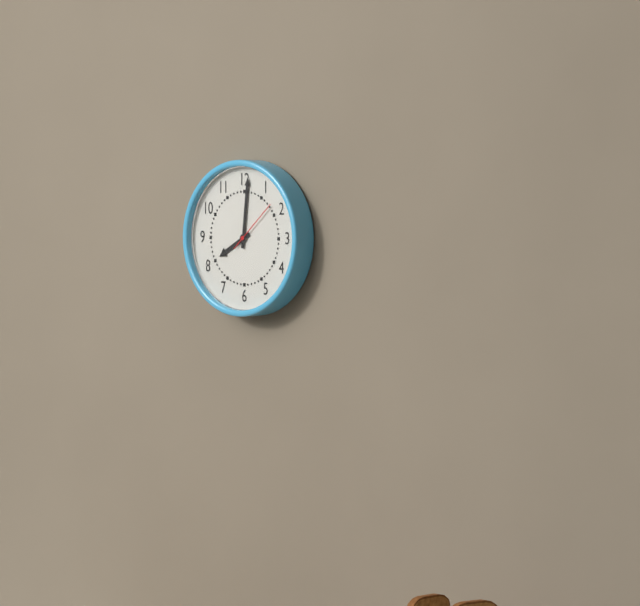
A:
**8:01:08**
